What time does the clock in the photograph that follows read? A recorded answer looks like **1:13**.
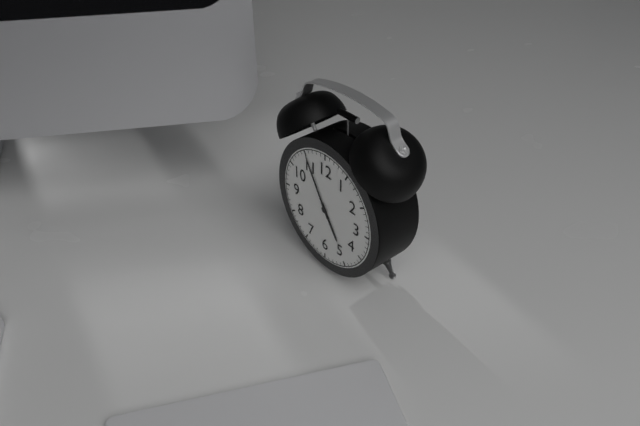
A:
**4:55**
